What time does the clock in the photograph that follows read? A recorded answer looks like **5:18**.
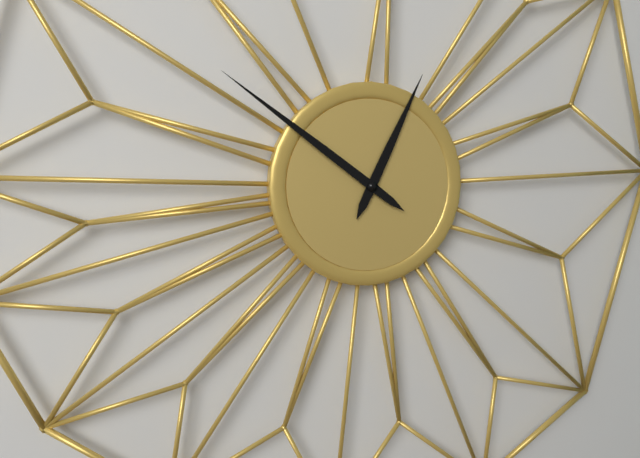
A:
**12:51**
